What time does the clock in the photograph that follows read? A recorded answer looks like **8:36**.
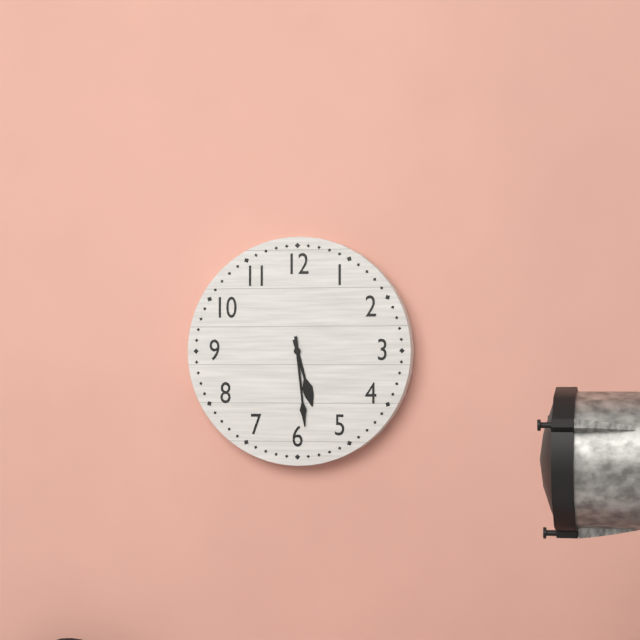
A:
**5:29**
